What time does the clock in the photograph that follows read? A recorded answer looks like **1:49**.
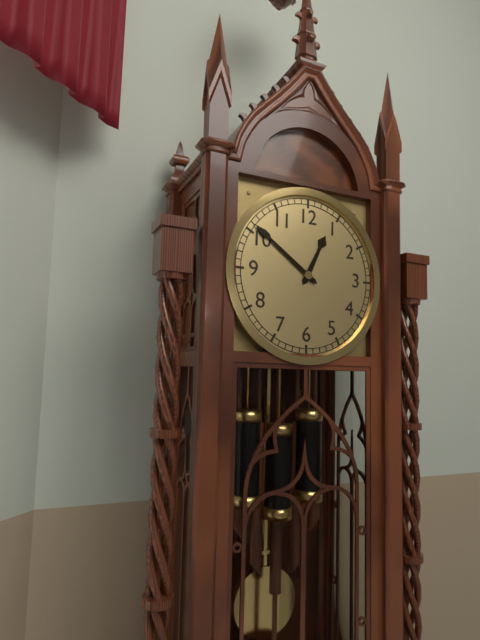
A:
**12:51**
